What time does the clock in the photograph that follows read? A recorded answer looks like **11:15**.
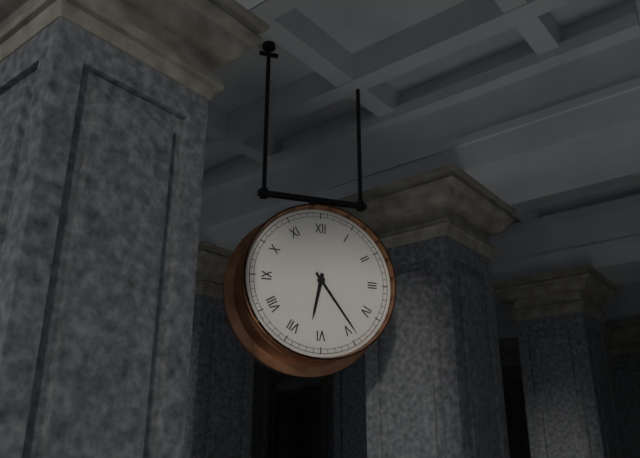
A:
**6:24**
